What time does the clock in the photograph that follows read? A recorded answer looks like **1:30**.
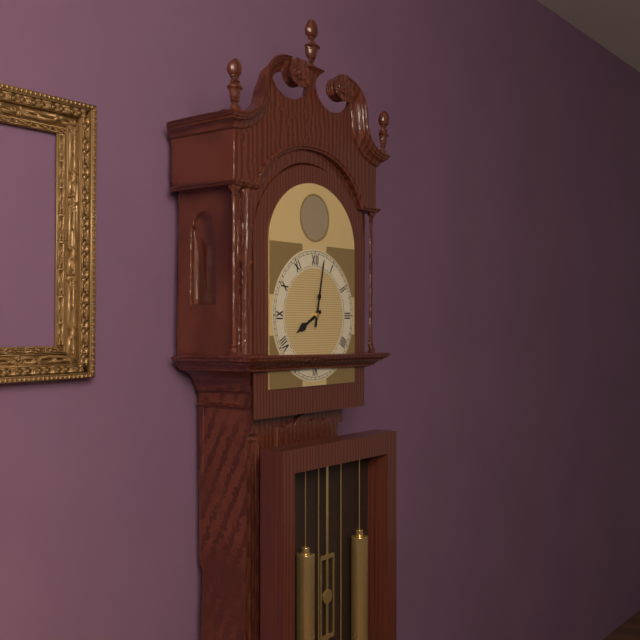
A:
**8:02**
